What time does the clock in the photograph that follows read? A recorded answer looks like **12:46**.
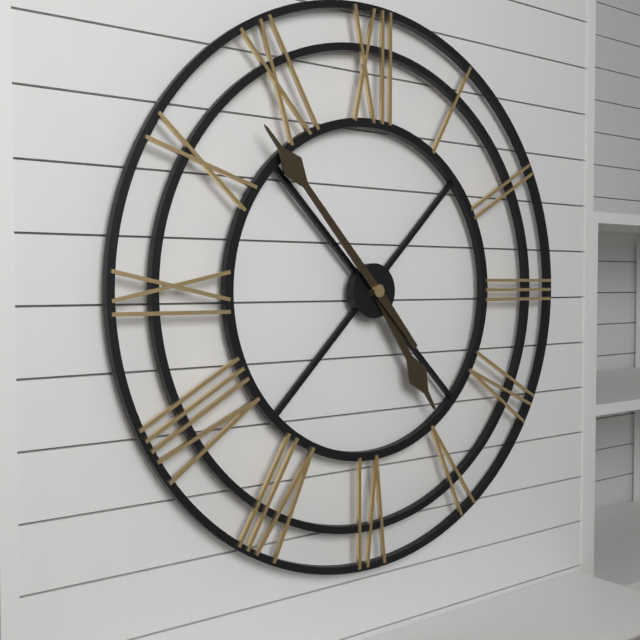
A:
**4:53**
